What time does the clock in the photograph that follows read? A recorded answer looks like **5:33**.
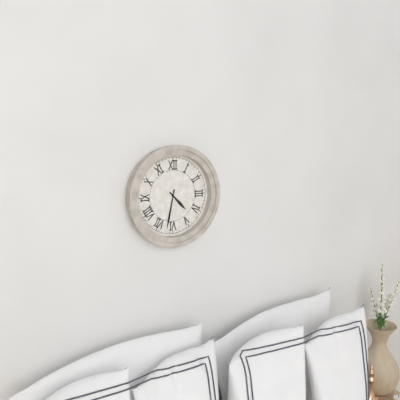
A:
**4:32**
